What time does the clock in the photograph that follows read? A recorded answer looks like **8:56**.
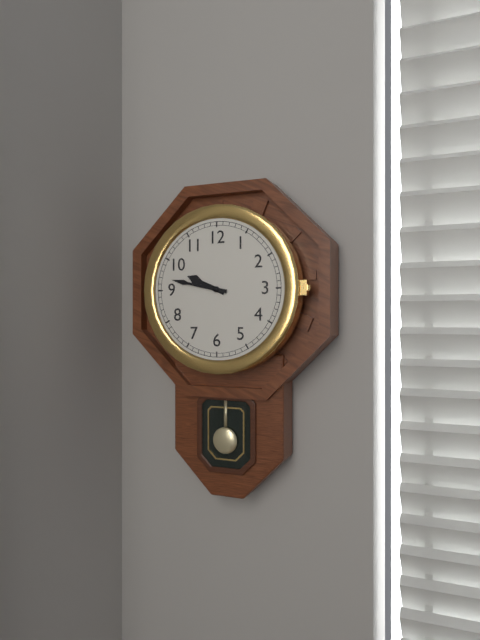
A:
**9:47**
